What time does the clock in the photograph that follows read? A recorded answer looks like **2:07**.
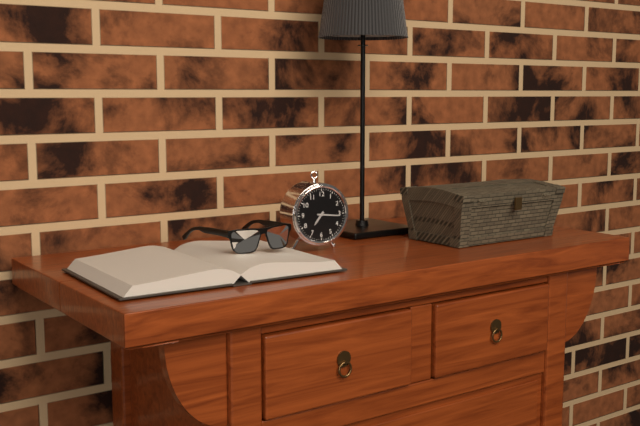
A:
**7:16**
